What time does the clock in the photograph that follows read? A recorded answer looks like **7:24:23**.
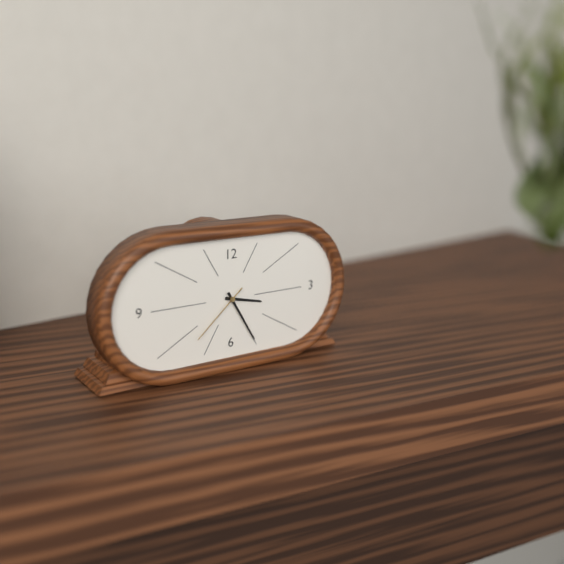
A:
**3:25:38**
